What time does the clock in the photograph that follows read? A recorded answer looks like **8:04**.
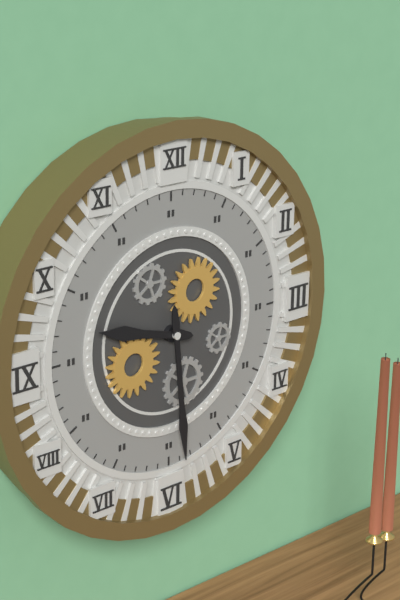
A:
**9:29**
